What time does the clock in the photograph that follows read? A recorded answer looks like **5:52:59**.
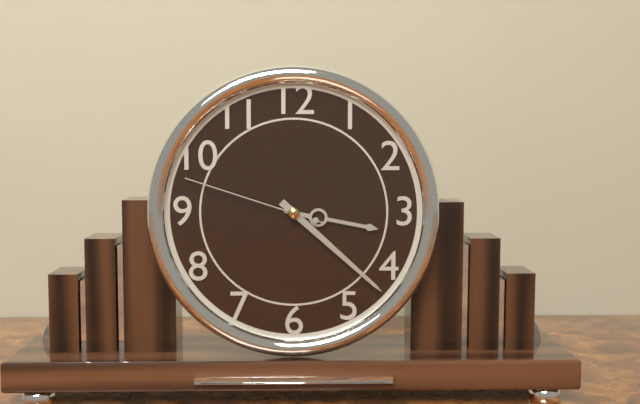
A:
**3:22:48**
